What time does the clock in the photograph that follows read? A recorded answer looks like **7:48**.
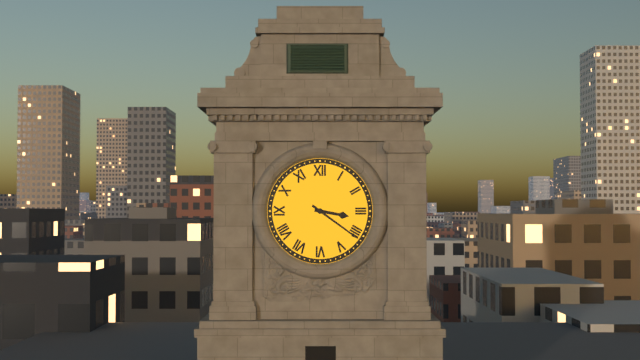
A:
**3:21**
